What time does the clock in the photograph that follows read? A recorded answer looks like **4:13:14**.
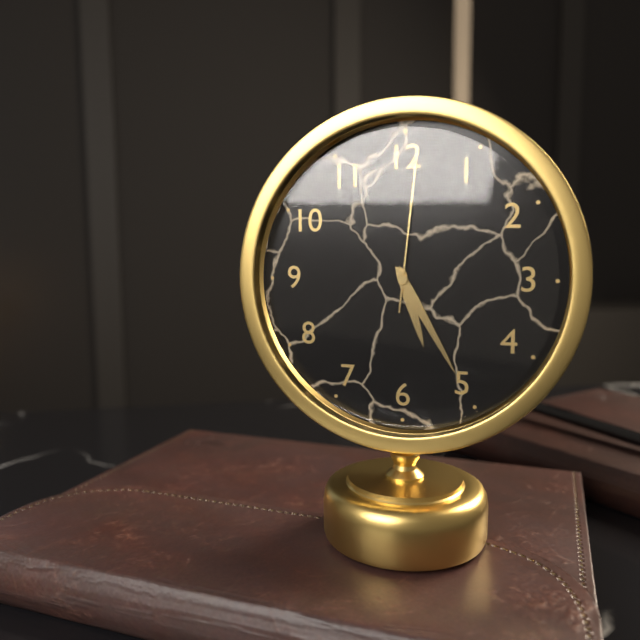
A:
**5:25:01**
